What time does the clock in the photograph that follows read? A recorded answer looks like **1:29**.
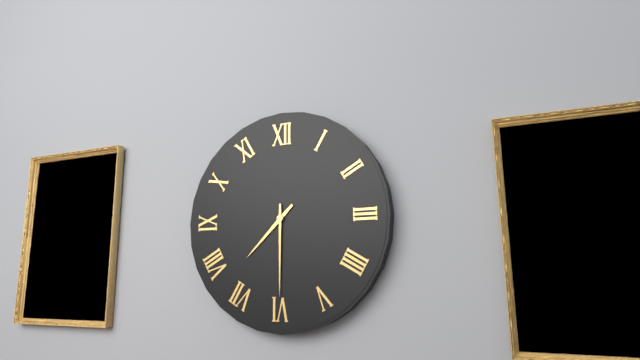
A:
**7:30**
